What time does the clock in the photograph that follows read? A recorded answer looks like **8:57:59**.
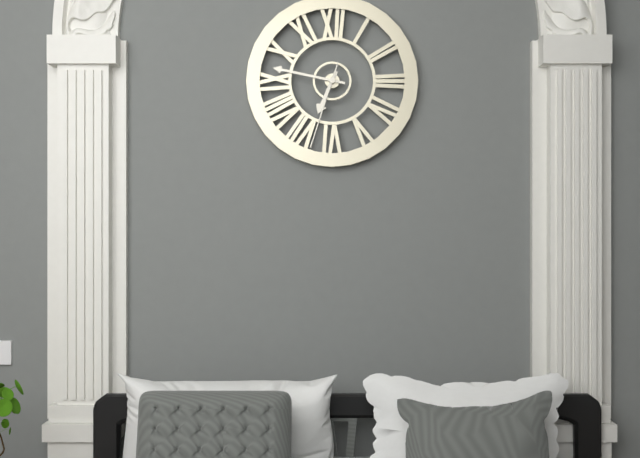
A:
**6:47:33**
